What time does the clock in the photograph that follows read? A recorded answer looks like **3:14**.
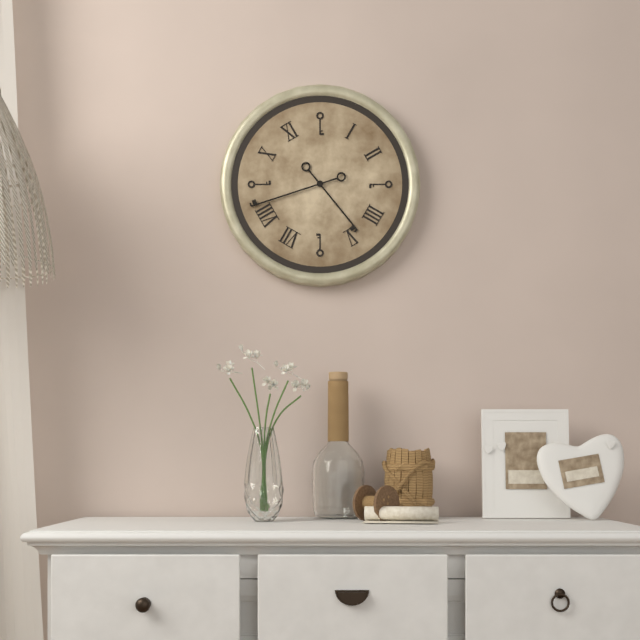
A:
**4:42**
